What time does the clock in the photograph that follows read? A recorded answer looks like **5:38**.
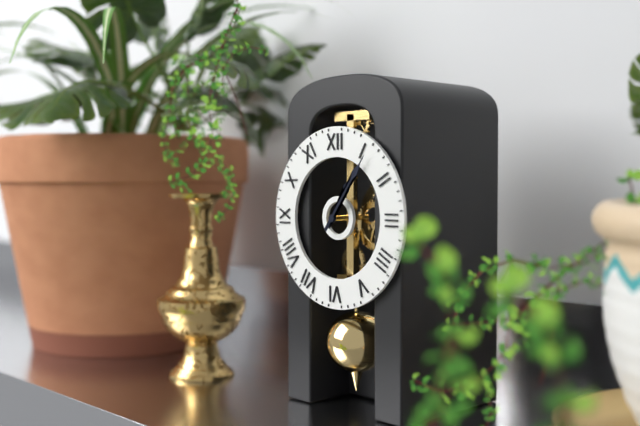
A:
**1:06**
